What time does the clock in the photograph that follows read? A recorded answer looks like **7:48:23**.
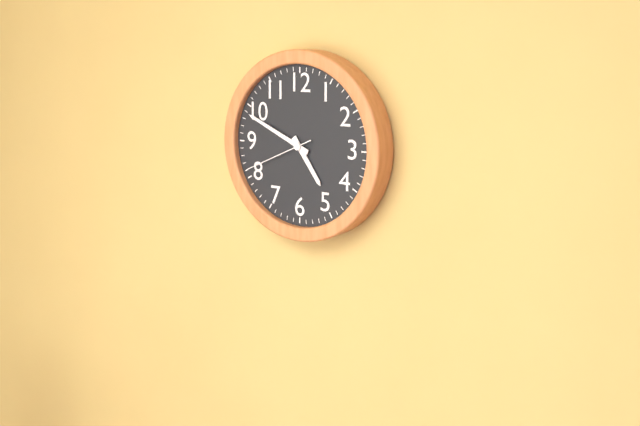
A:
**4:49:41**
